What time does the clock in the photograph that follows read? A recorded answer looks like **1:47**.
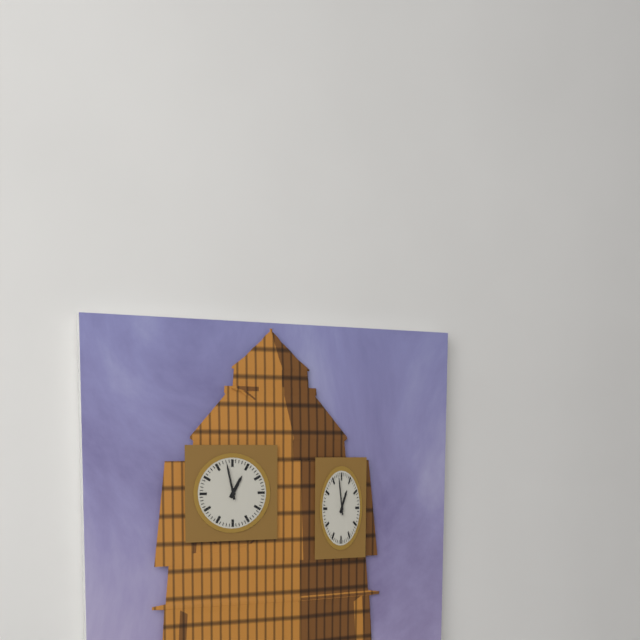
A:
**12:58**
